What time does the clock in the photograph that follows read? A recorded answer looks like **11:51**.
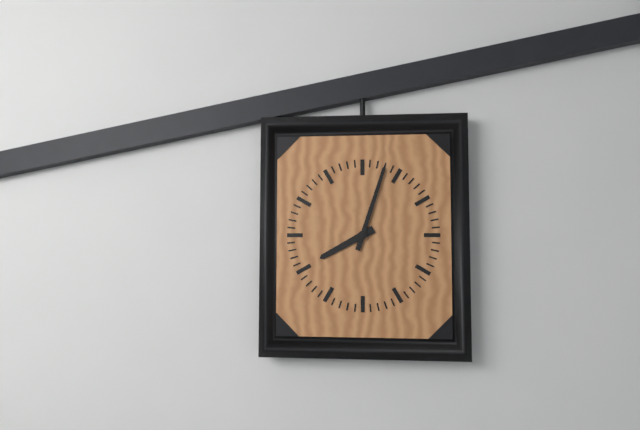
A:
**8:03**
